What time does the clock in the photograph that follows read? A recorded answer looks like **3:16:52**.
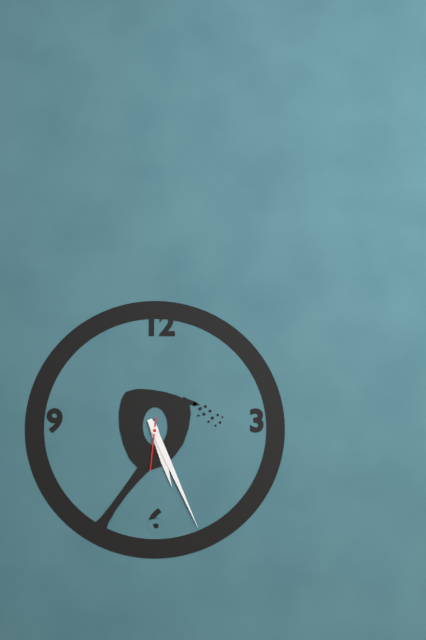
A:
**5:26:31**
